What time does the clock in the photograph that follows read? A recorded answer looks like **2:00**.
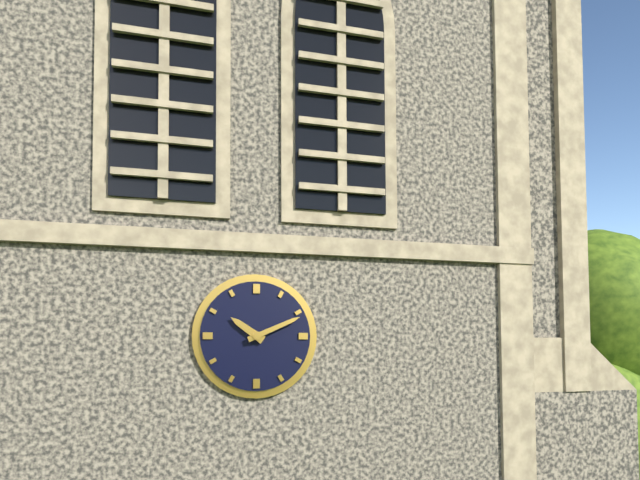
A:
**10:11**
